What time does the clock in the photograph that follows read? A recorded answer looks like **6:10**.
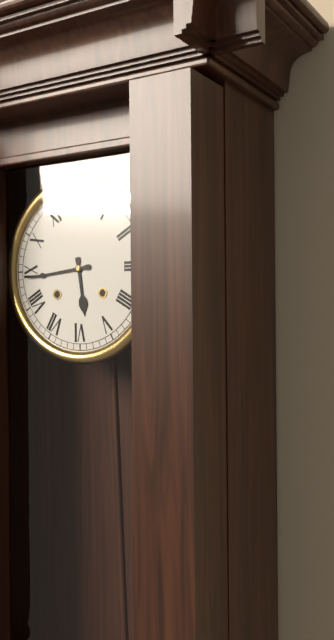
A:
**5:44**
